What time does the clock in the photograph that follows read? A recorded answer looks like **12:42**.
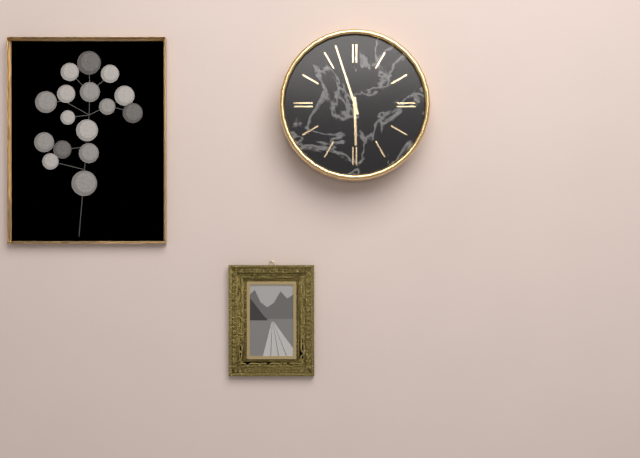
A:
**5:57**
